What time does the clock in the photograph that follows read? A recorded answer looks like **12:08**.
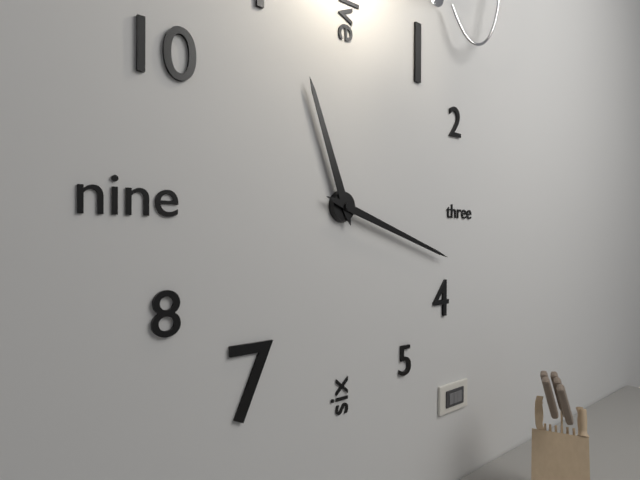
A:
**11:18**
